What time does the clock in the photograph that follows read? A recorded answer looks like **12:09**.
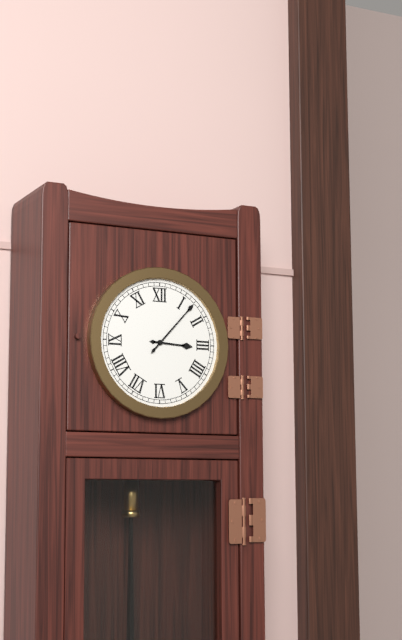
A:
**3:07**
